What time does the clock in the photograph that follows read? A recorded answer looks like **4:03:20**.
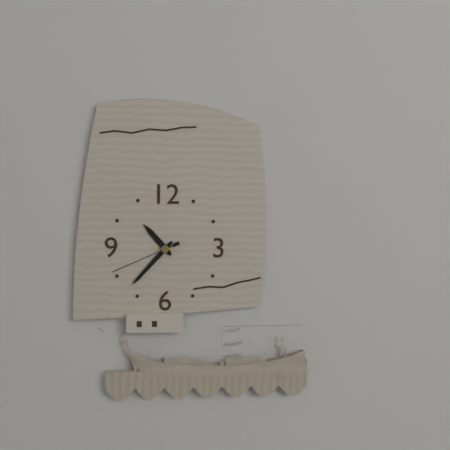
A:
**10:37:41**
